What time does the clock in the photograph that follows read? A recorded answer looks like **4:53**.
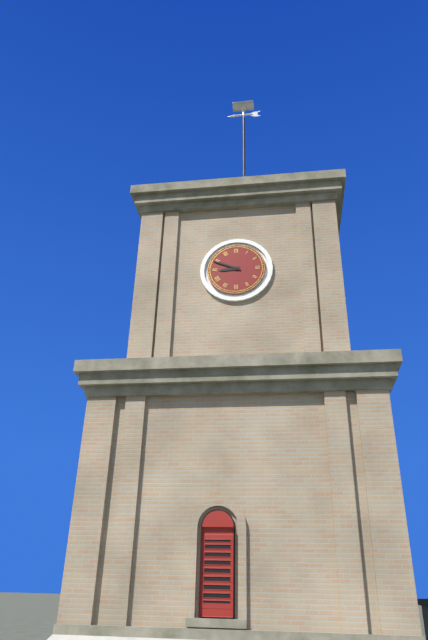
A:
**8:49**
